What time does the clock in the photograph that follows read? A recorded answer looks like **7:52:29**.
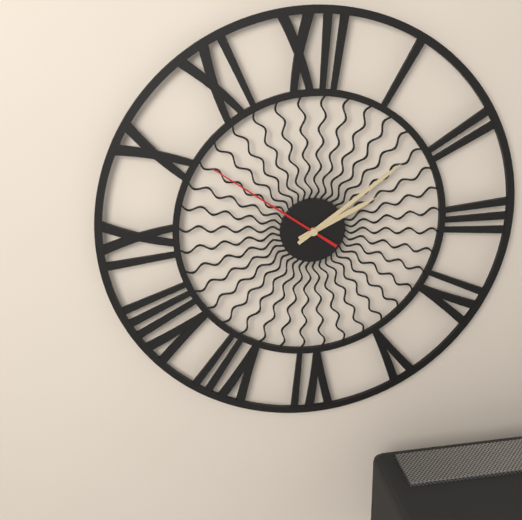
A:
**2:09:51**
